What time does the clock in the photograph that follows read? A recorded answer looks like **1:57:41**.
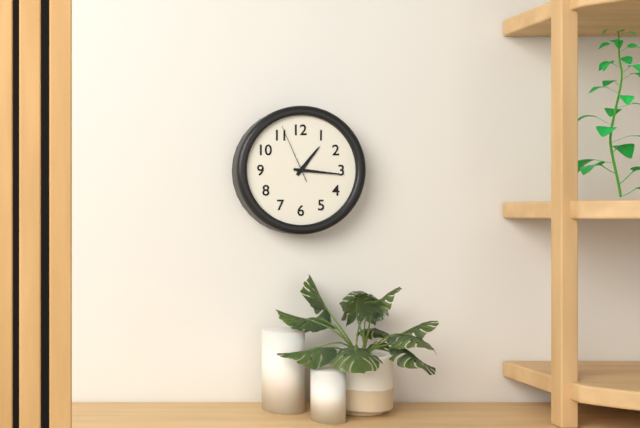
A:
**1:16:56**
